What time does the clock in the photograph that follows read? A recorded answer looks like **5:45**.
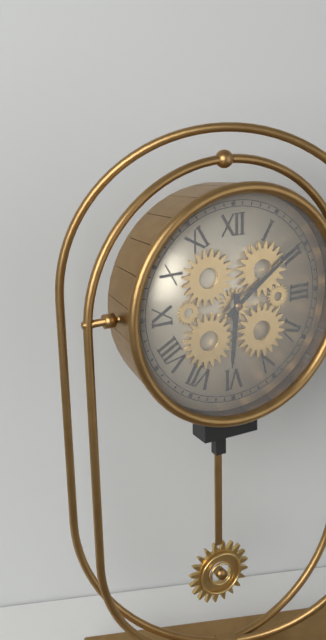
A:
**6:09**
